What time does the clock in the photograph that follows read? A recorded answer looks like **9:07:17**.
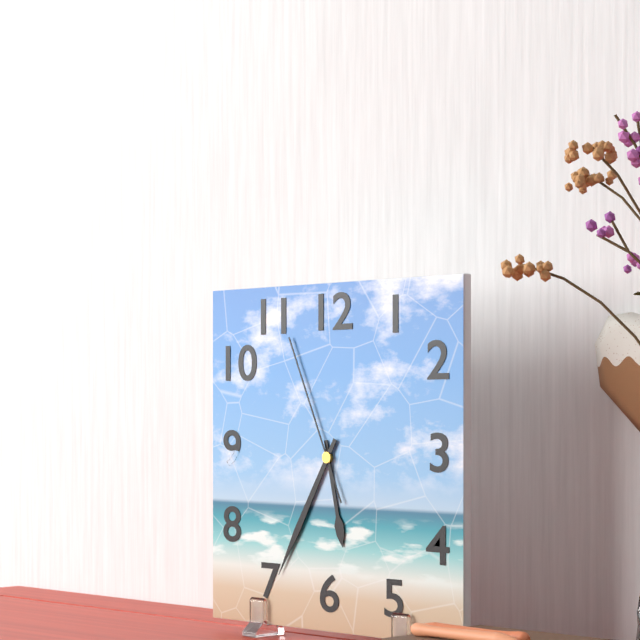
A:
**5:35:56**
